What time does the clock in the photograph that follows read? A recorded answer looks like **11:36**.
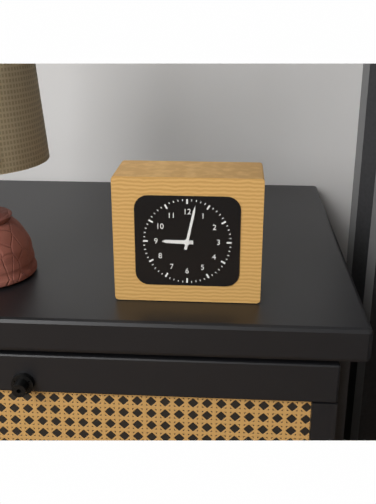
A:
**9:02**
